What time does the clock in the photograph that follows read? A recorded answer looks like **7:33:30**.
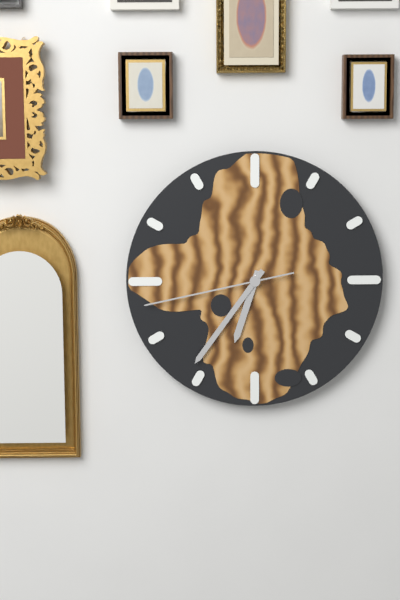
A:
**6:36:43**
